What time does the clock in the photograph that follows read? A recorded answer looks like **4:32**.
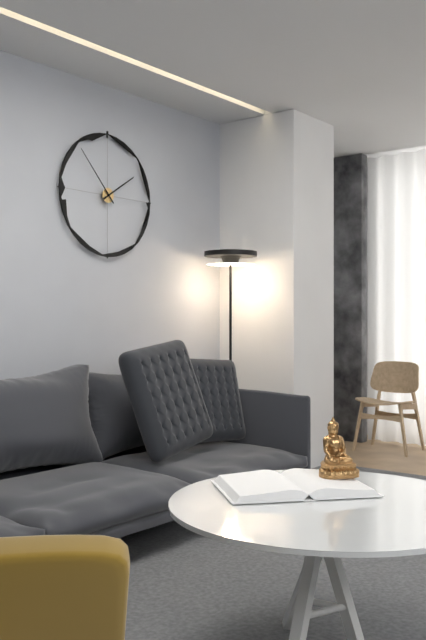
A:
**1:53**
